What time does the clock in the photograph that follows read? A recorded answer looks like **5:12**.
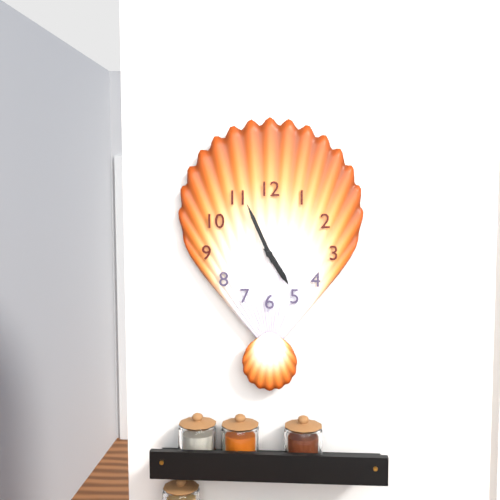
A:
**4:56**
